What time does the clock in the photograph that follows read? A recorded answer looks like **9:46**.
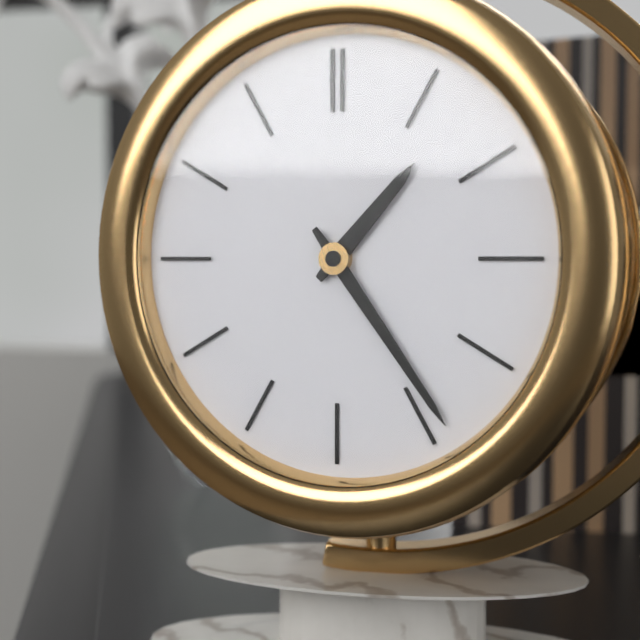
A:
**1:24**
